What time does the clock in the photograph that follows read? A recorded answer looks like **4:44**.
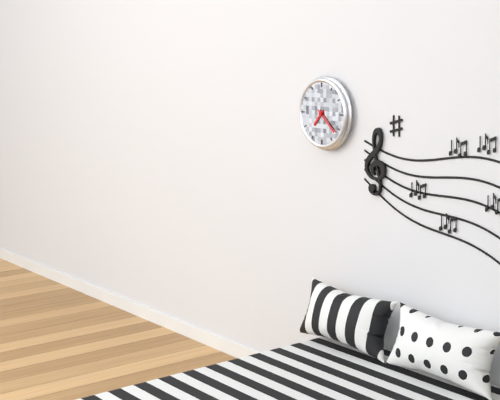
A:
**7:22**
